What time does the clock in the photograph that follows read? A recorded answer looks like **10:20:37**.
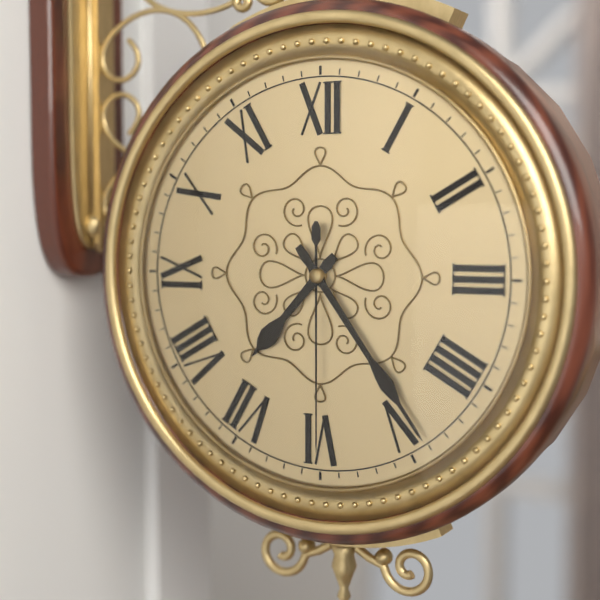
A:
**7:24:30**
